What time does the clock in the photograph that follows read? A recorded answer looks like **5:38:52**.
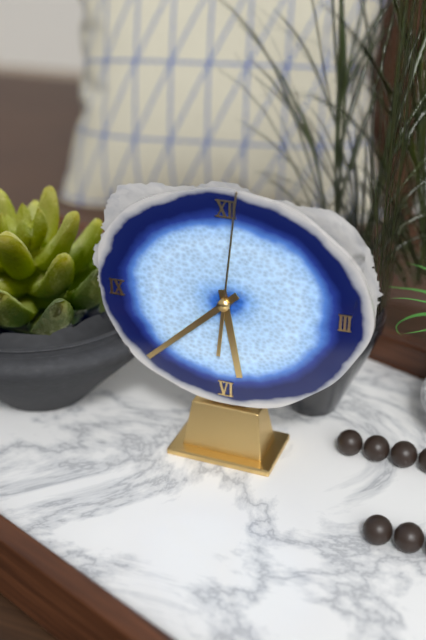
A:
**5:38:01**
